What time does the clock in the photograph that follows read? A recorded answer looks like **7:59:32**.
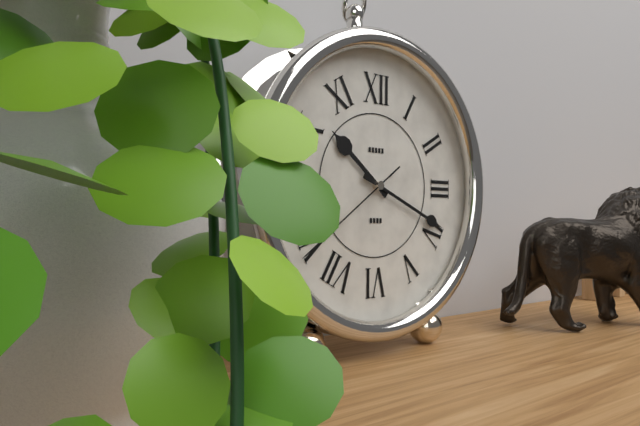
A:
**10:19:39**
